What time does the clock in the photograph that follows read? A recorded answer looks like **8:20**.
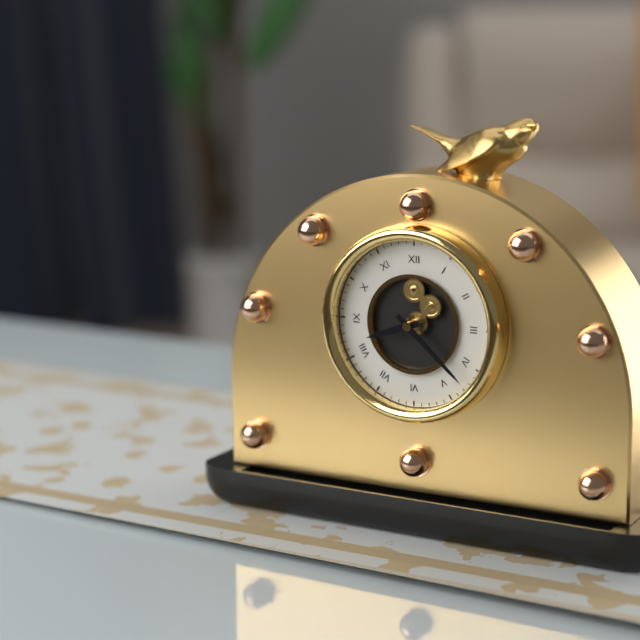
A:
**8:22**
